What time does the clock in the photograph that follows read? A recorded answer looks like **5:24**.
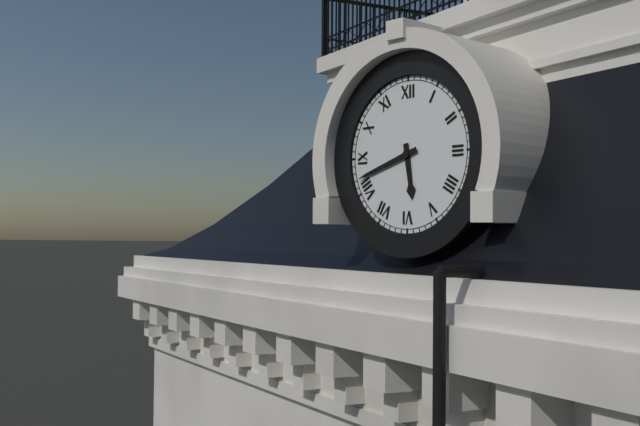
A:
**5:42**
